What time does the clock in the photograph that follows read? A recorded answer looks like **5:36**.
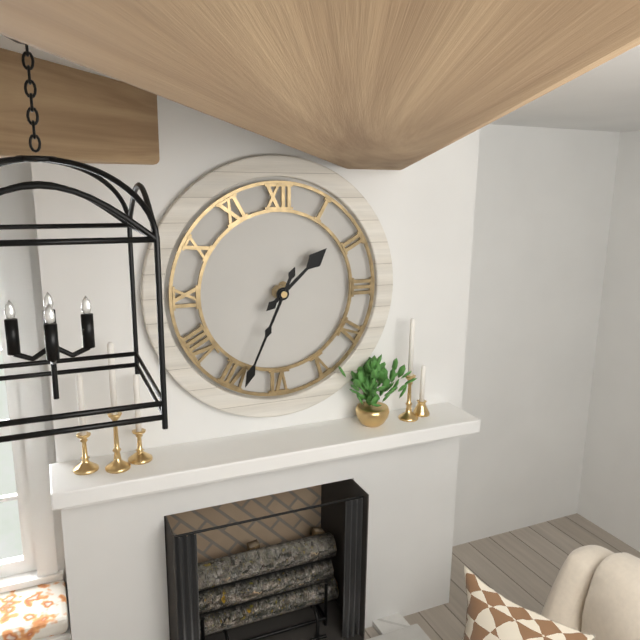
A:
**1:34**
